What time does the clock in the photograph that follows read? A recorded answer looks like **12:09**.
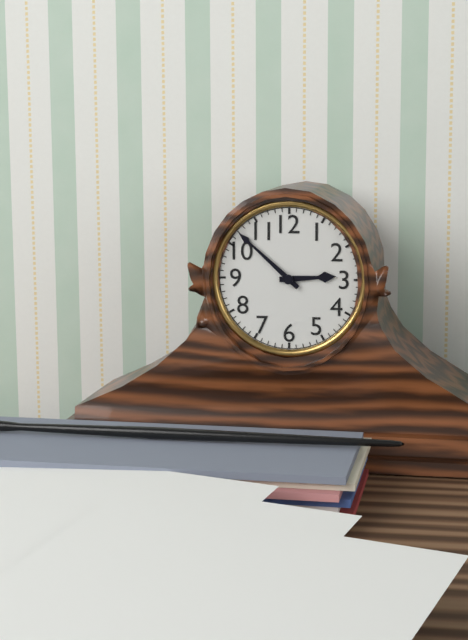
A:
**2:52**
